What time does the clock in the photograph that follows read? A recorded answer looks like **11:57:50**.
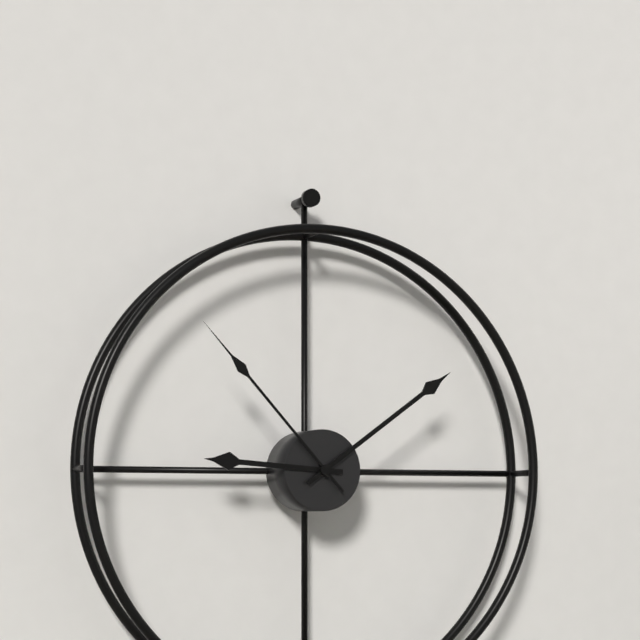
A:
**9:09:53**
